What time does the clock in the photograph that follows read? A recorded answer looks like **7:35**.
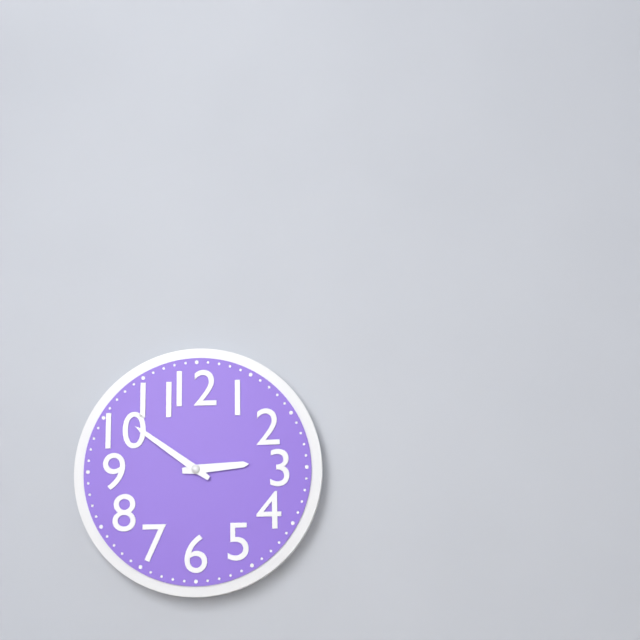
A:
**2:51**
